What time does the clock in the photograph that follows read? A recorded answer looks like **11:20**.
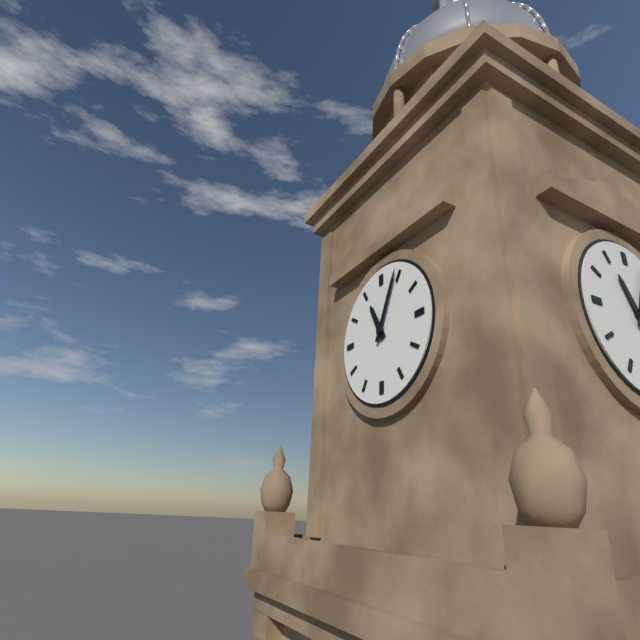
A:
**11:04**
